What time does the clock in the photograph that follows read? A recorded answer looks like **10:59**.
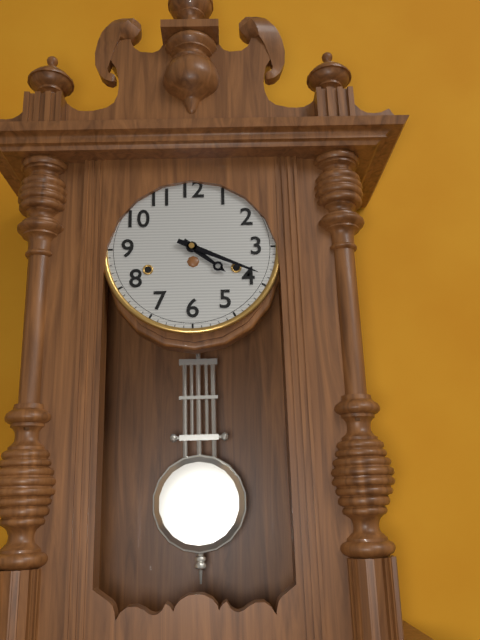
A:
**4:19**
